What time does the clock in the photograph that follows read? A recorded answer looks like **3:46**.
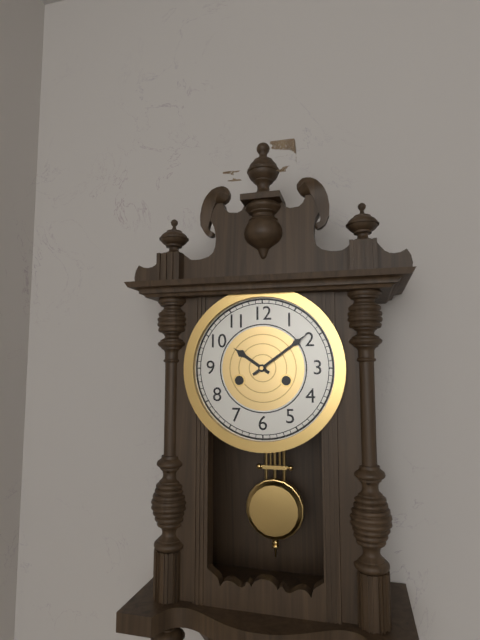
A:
**10:09**
